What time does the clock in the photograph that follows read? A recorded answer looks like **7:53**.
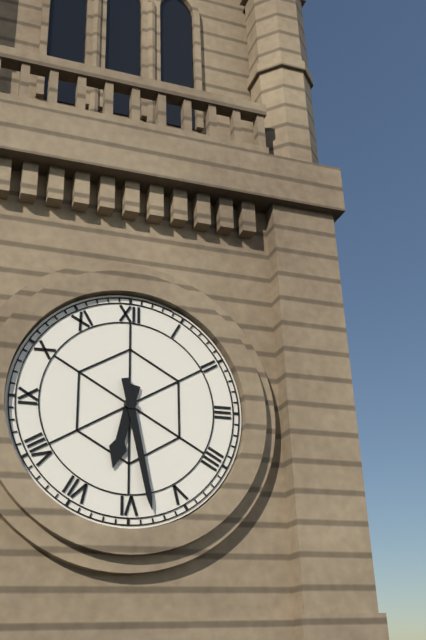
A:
**6:28**
